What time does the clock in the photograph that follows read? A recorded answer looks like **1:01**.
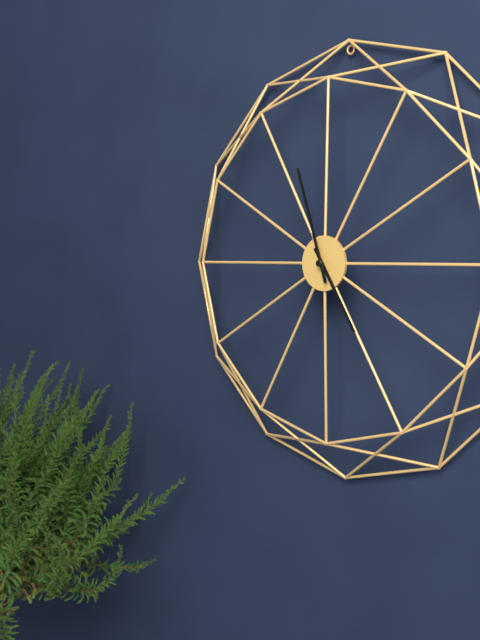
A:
**4:57**
